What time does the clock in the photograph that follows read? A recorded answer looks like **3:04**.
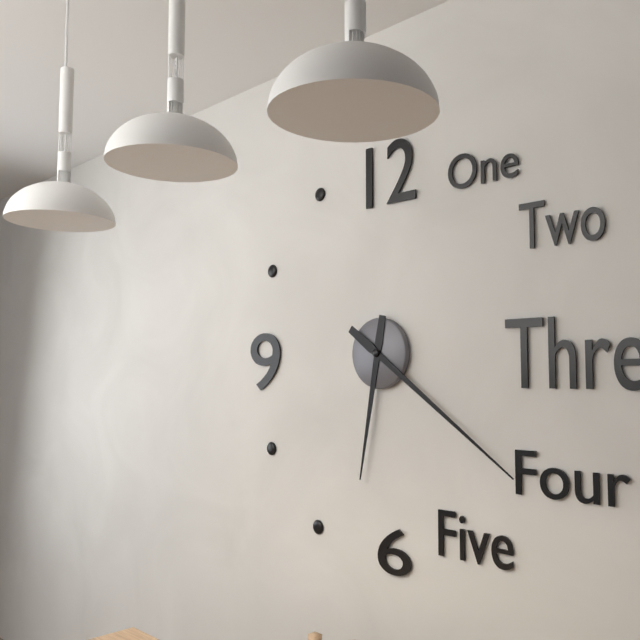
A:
**6:21**
